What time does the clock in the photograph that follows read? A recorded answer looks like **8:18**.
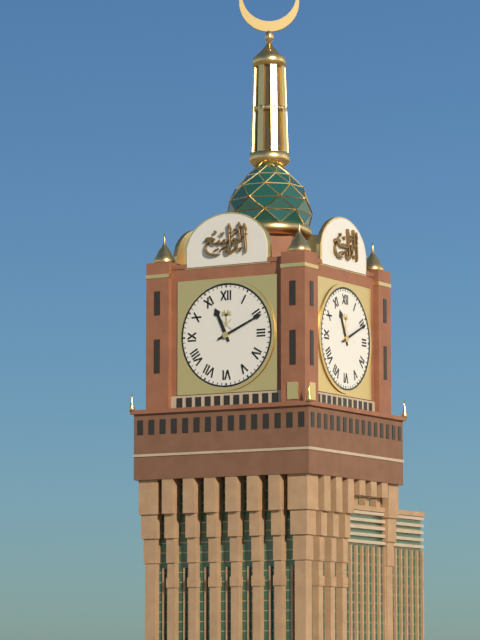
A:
**11:11**
